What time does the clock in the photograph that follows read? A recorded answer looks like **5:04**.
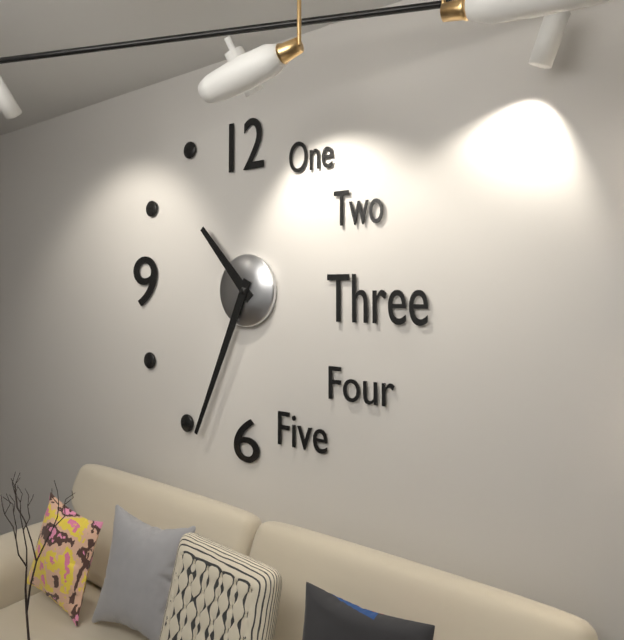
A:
**10:34**
